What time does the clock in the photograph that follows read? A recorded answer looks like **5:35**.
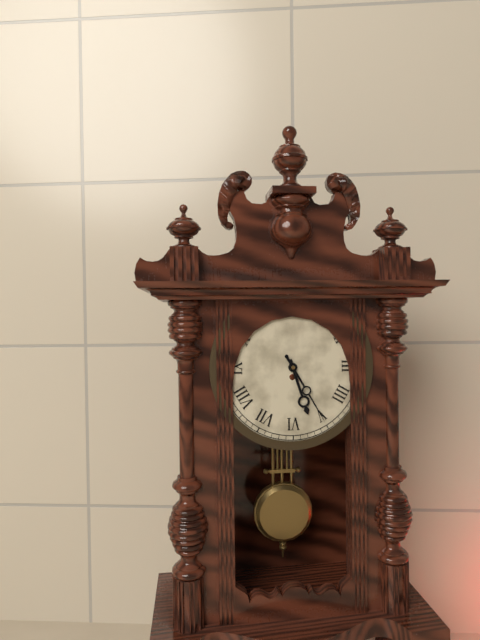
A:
**5:25**
